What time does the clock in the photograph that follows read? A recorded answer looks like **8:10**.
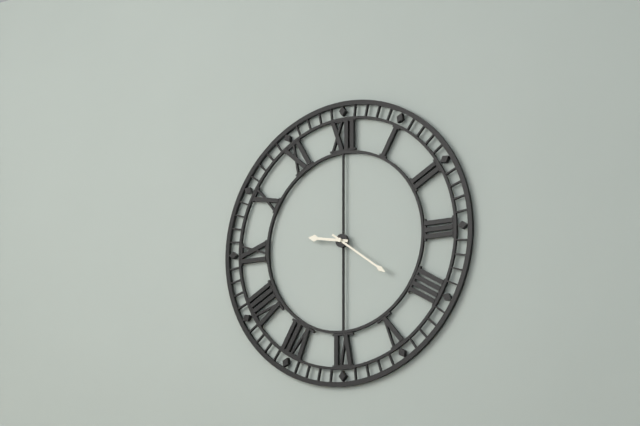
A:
**9:21**
